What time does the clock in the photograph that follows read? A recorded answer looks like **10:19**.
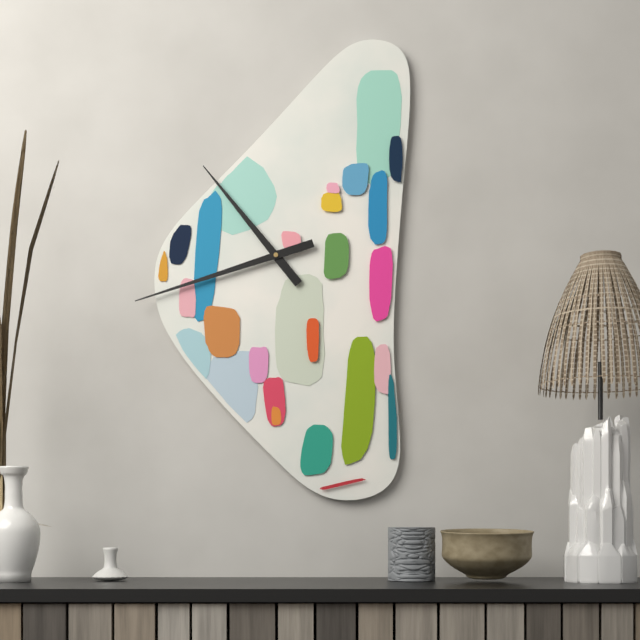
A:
**10:42**
